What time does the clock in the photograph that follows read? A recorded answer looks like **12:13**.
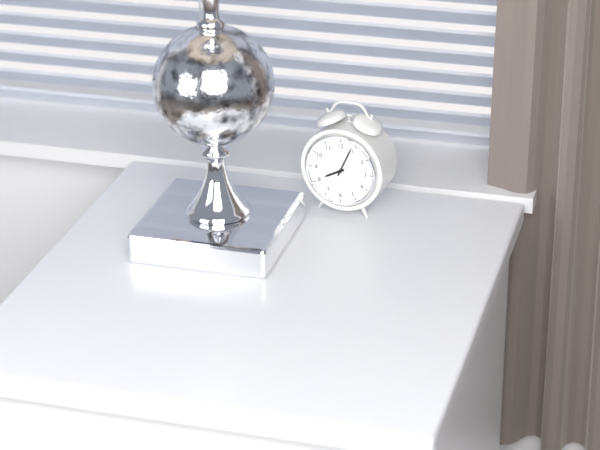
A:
**8:04**
